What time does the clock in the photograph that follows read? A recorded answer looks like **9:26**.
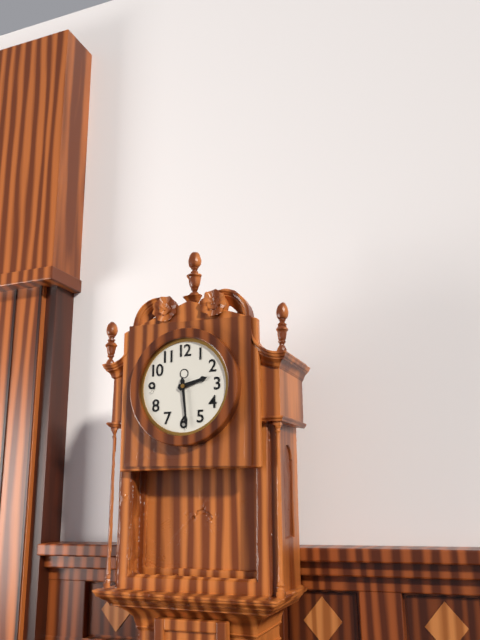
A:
**2:29**
